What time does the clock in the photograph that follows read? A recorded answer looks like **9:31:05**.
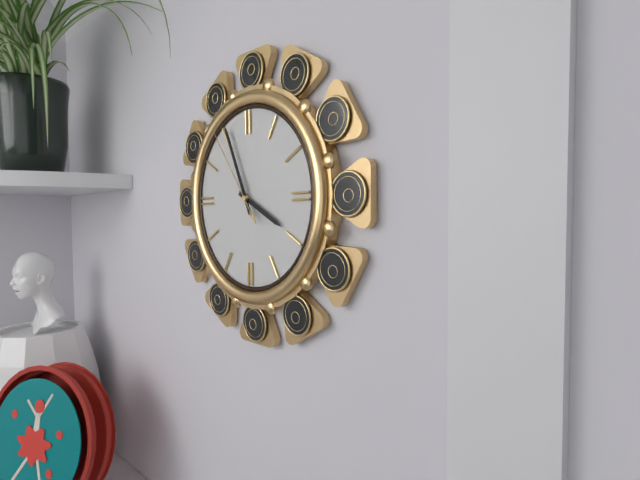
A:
**3:56:54**
